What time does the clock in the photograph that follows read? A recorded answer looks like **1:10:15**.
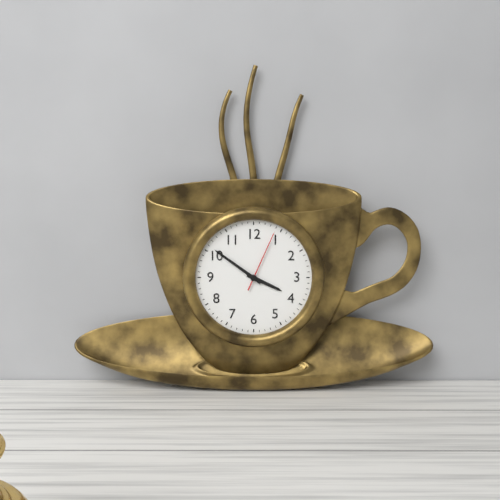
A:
**3:51:04**
